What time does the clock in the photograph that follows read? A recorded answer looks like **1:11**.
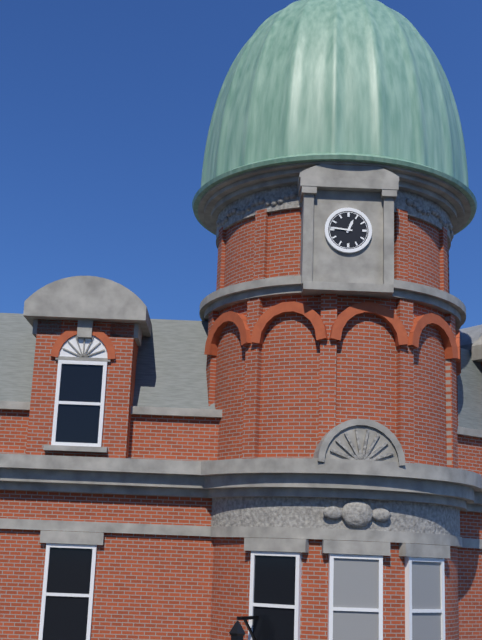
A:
**12:46**
